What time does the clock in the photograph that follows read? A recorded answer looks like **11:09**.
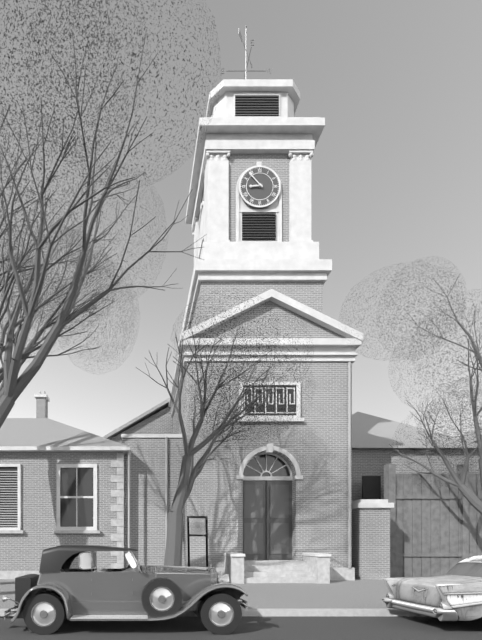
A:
**8:53**
